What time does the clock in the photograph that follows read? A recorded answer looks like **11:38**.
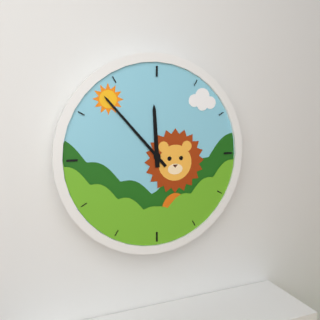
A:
**11:53**
